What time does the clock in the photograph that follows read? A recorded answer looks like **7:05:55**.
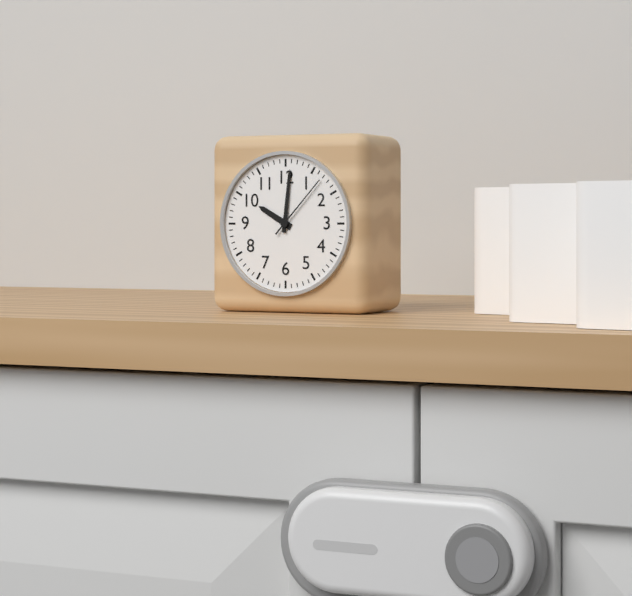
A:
**10:01:07**
